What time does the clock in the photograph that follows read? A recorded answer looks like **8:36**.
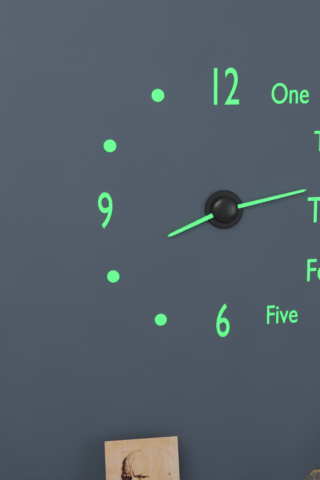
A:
**8:13**
